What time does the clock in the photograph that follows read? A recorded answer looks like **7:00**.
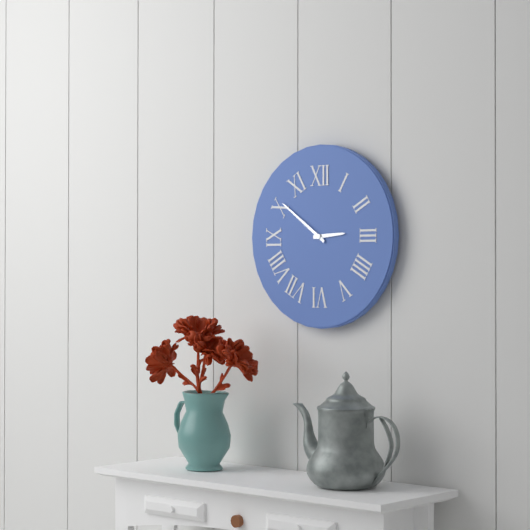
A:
**2:51**
